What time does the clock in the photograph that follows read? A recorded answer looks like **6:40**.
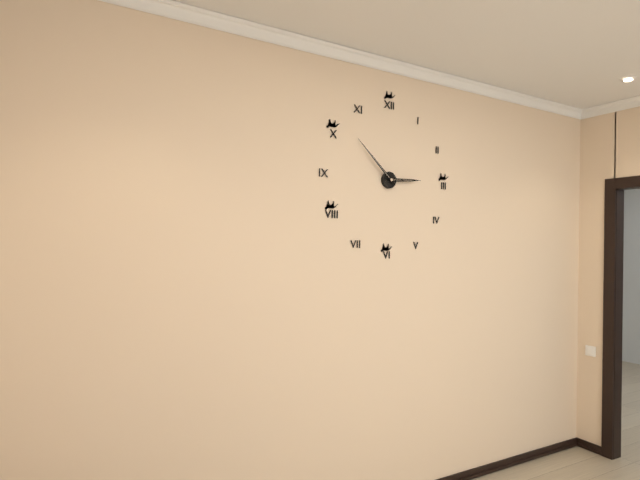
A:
**2:52**
